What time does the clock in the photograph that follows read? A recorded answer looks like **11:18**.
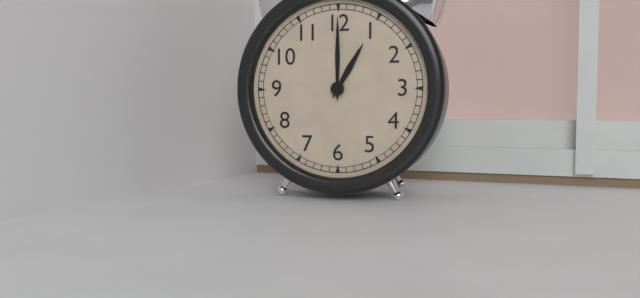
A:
**1:00**
